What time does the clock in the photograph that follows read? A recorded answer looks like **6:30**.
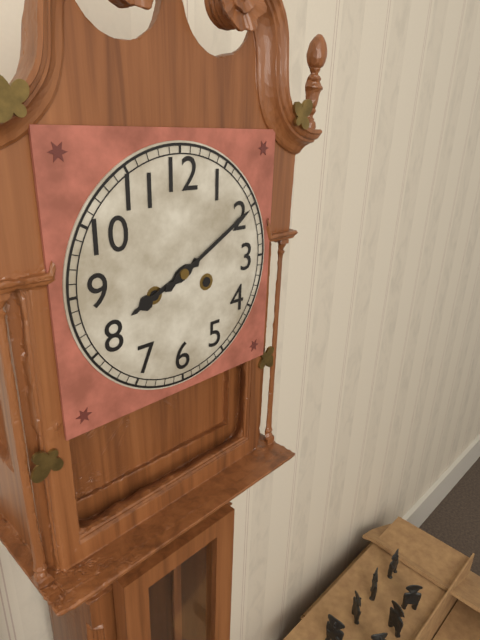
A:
**8:10**
